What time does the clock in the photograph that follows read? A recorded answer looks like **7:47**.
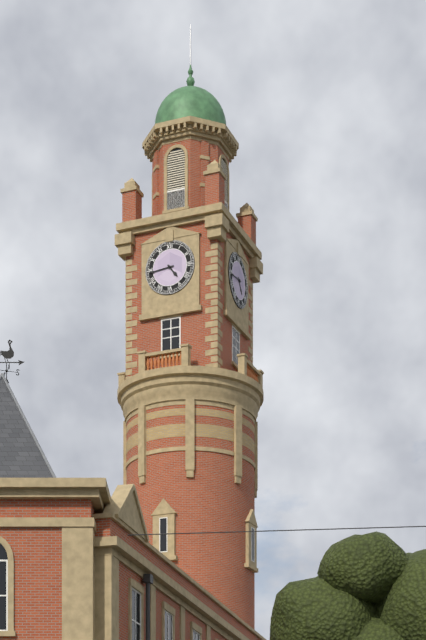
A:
**4:44**
